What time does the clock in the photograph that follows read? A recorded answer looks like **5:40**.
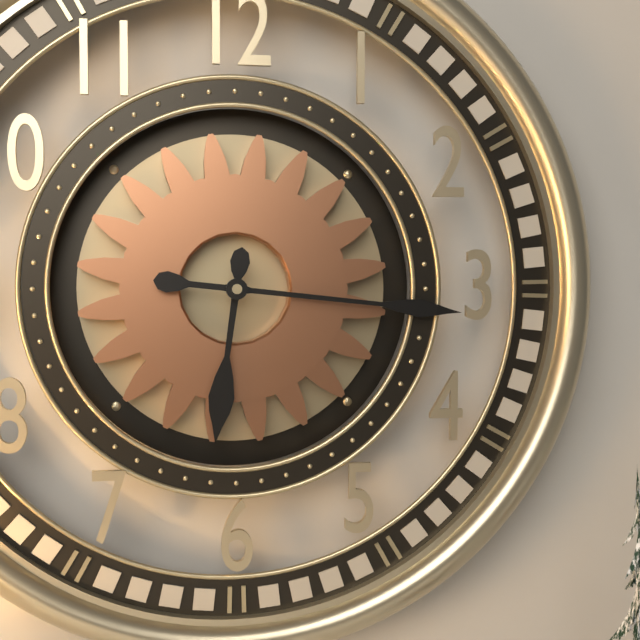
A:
**6:16**
